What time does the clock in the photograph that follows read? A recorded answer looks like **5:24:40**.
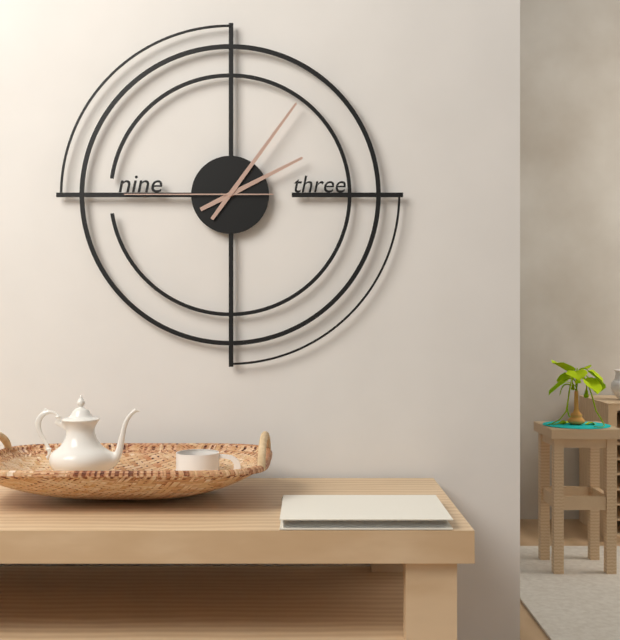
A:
**2:06:45**
